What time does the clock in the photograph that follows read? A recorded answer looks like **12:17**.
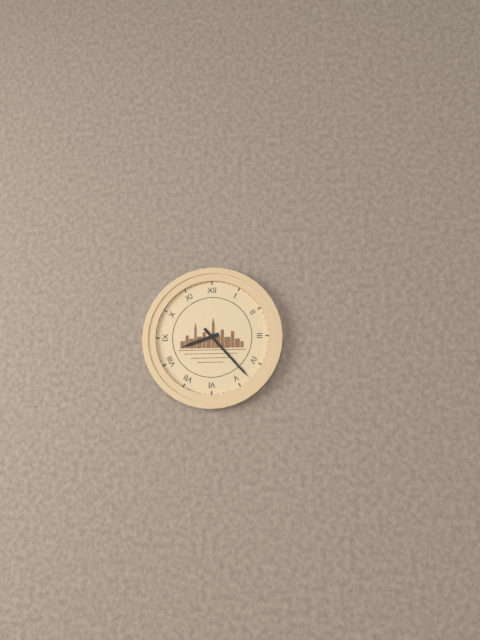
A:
**8:23**
